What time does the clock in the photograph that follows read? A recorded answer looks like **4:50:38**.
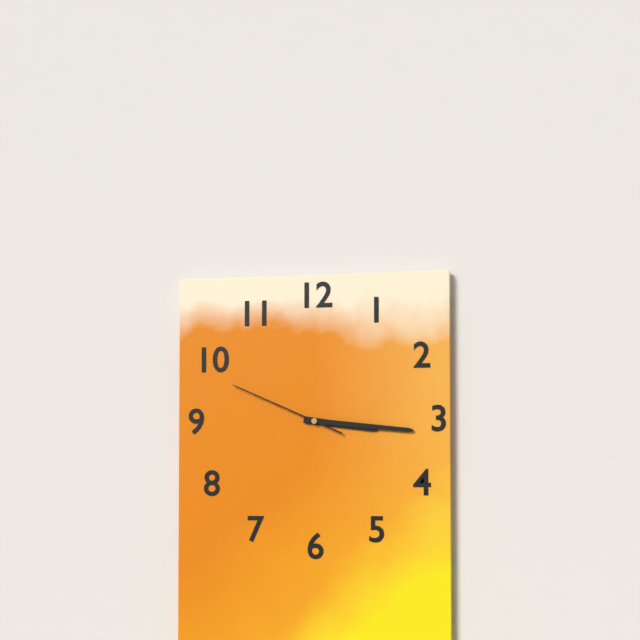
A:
**3:16:49**
